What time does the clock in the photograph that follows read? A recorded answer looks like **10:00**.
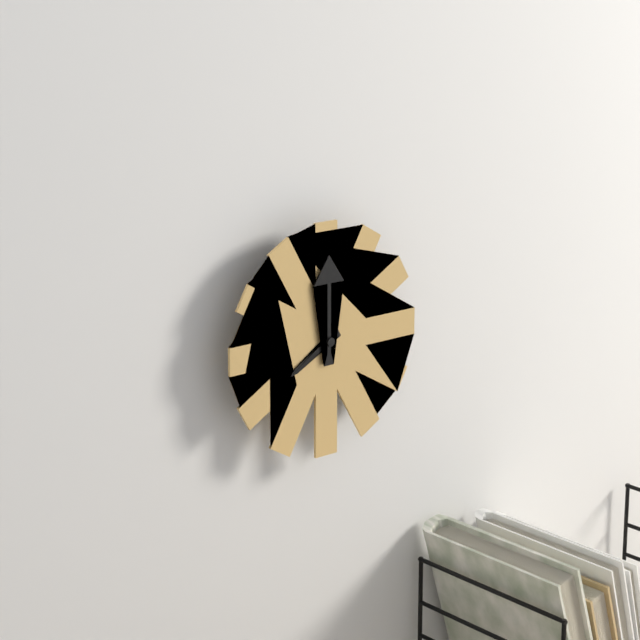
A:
**8:00**
